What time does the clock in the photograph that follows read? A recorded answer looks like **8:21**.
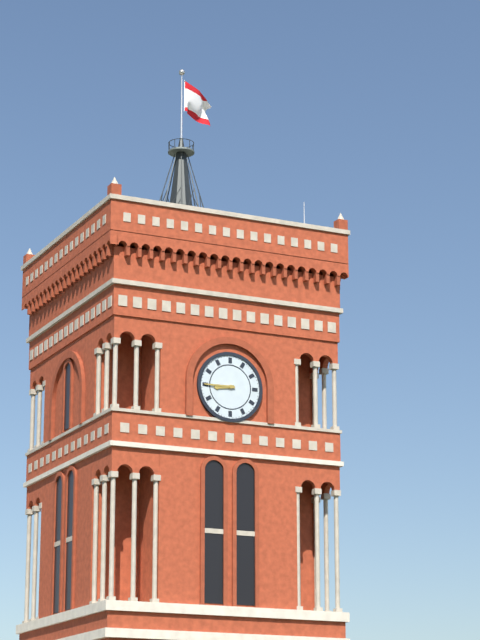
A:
**8:45**
